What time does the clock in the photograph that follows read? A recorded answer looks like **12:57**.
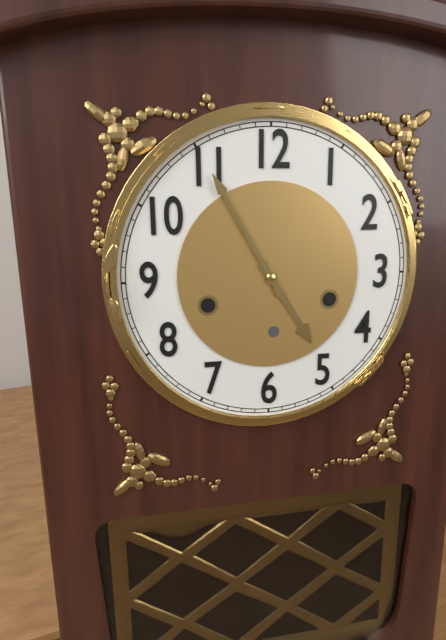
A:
**4:55**
